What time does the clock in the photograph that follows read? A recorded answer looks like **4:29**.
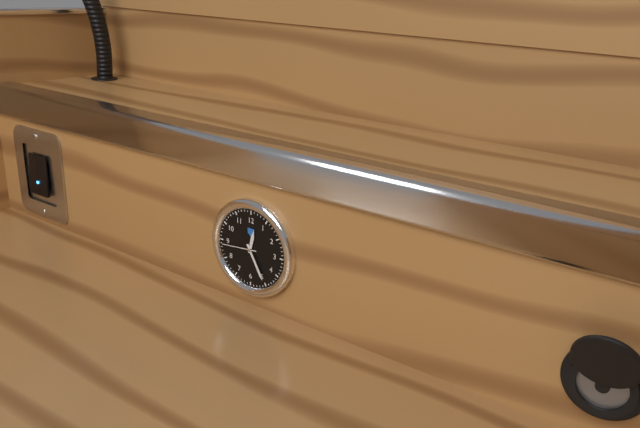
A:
**12:25**
